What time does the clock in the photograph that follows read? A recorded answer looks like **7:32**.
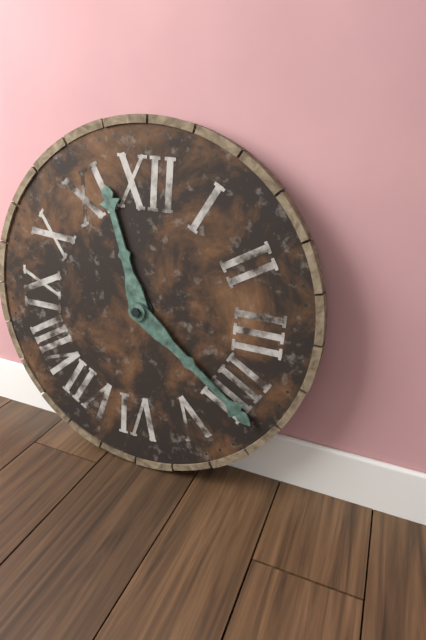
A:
**11:21**
